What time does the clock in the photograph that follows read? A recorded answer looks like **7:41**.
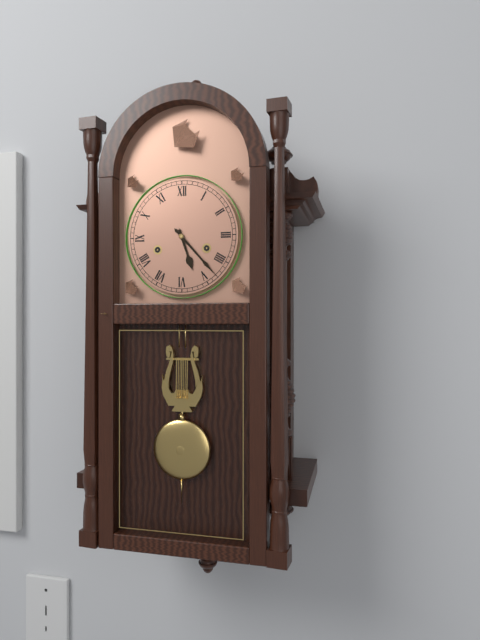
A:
**5:23**
